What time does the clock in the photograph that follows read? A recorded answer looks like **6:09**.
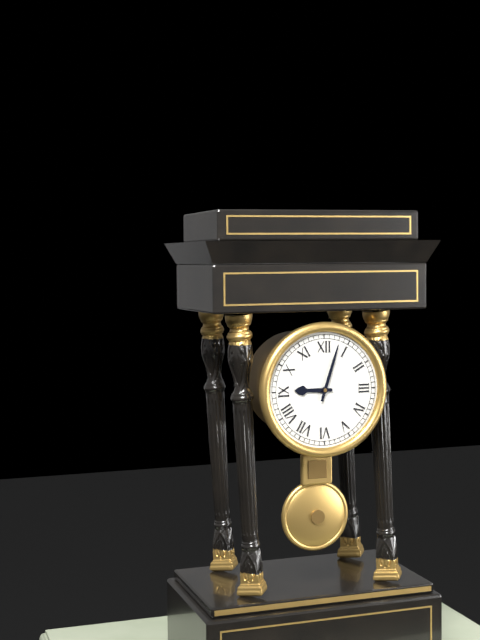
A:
**9:03**
